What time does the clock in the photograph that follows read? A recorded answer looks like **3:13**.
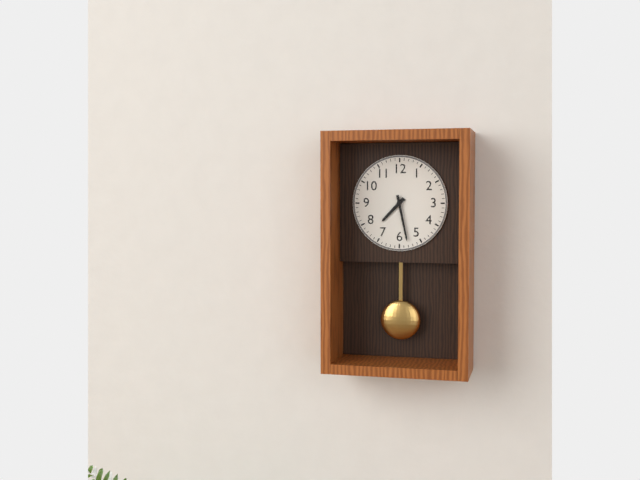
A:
**7:28**
